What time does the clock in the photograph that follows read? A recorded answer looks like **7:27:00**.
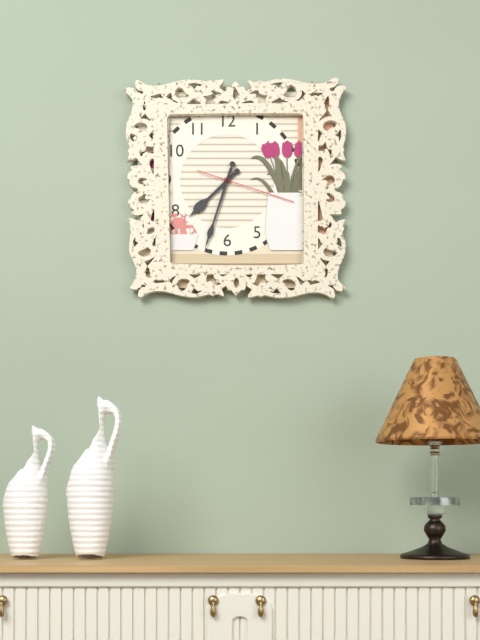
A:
**7:33:18**
